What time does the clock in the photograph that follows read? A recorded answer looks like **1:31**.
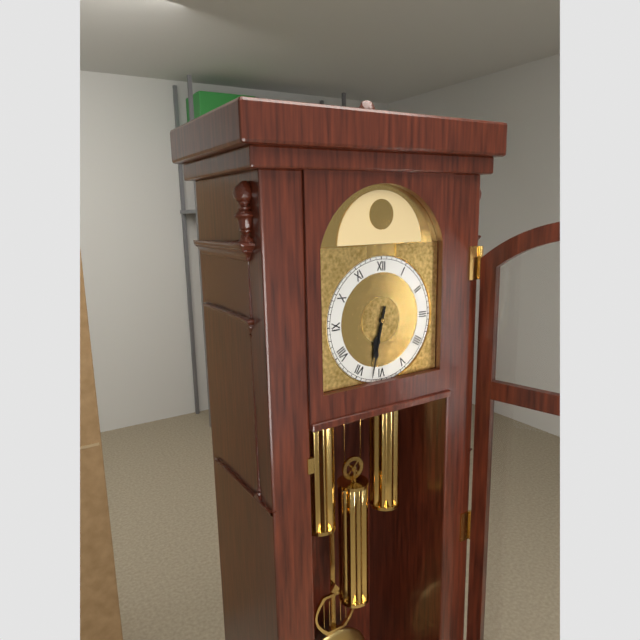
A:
**6:32**
